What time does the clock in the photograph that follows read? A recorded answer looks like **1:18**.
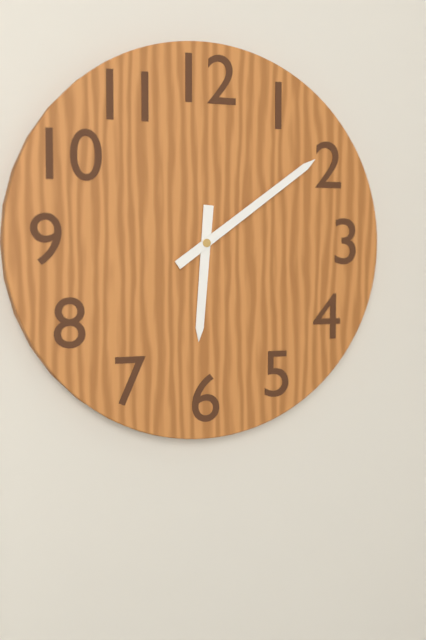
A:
**6:09**
